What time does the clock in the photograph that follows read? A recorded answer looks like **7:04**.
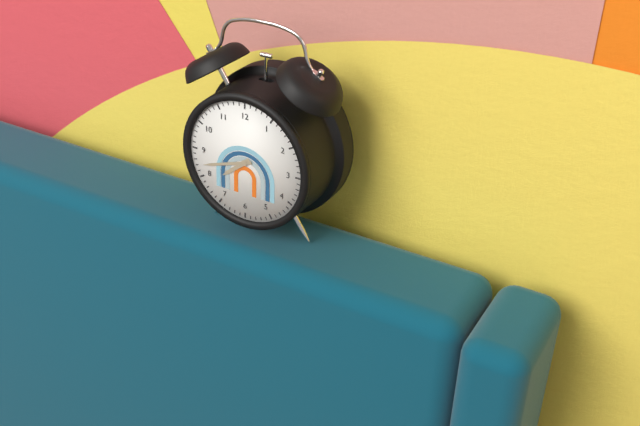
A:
**7:42**
